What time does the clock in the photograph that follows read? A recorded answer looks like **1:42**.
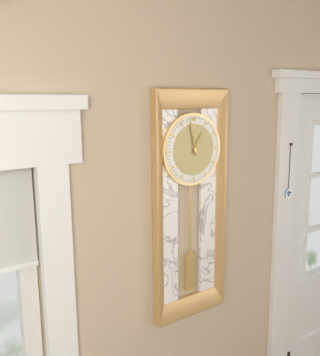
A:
**12:58**
